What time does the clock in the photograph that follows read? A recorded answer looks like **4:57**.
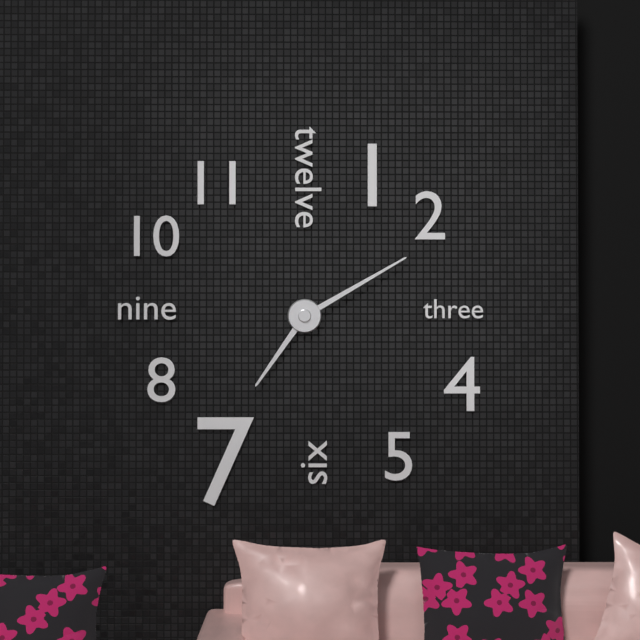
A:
**7:10**
